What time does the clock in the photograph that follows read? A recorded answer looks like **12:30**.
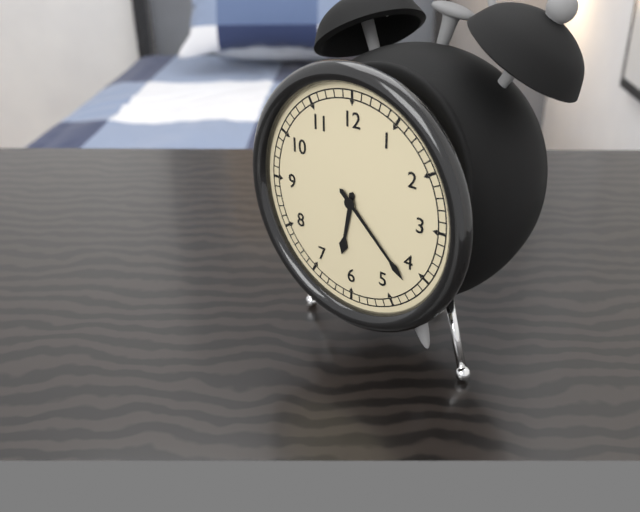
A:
**6:22**
